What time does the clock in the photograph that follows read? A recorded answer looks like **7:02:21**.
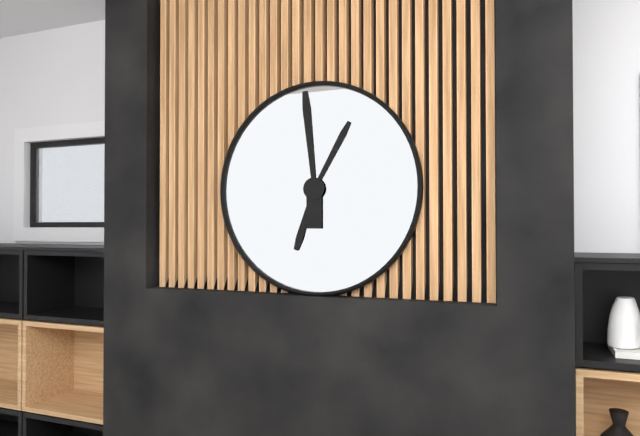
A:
**12:59:33**
